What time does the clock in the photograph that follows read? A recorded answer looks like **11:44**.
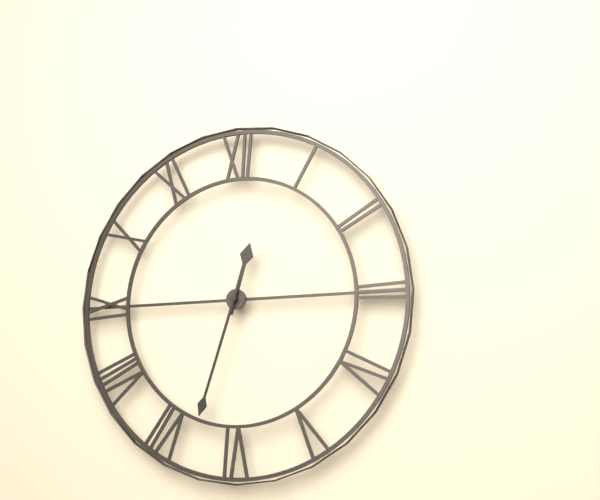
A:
**12:33**
